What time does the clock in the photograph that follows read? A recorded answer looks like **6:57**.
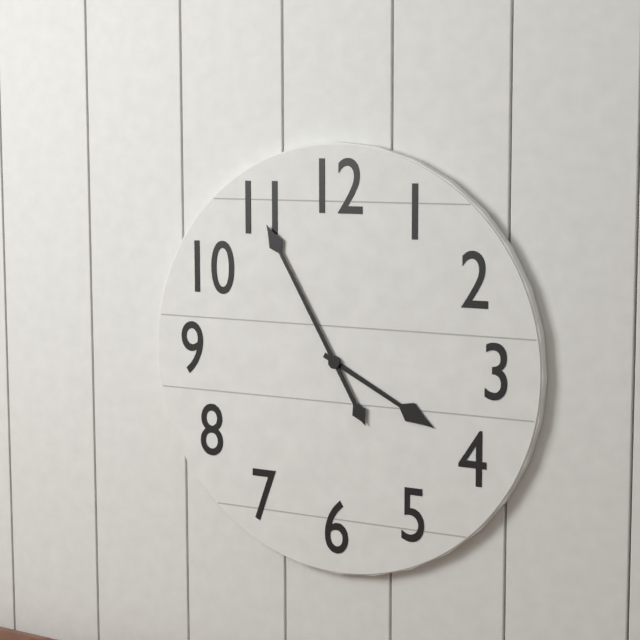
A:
**3:55**
